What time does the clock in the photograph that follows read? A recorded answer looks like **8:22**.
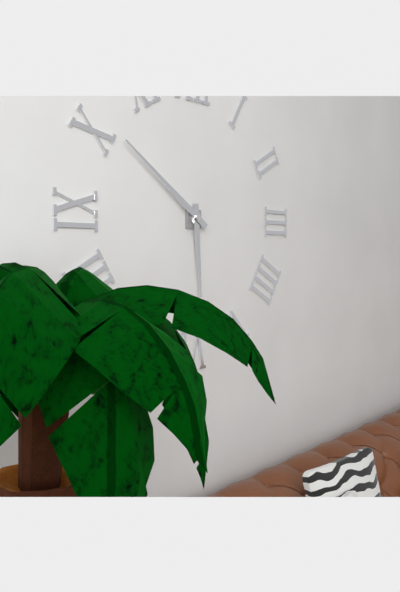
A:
**5:51**
